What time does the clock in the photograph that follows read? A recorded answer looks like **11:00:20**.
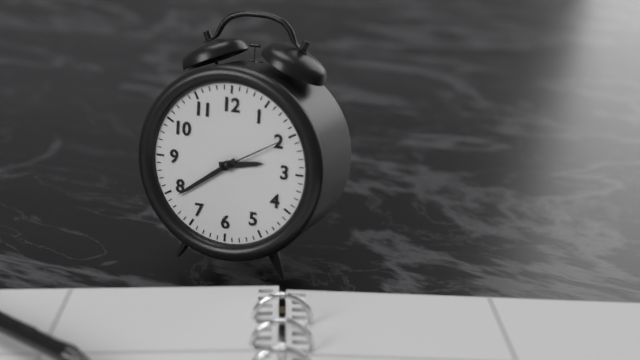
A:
**2:39:10**
